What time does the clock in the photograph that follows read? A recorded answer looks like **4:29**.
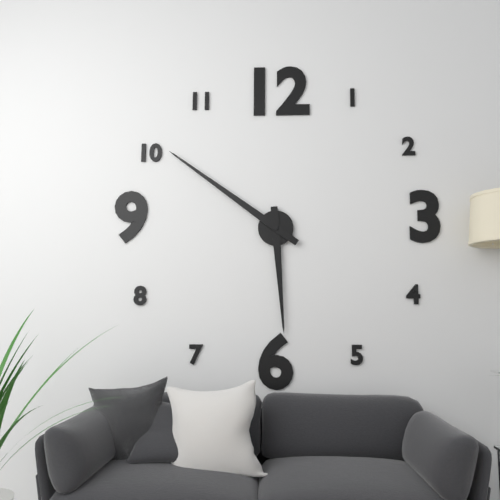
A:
**5:51**
